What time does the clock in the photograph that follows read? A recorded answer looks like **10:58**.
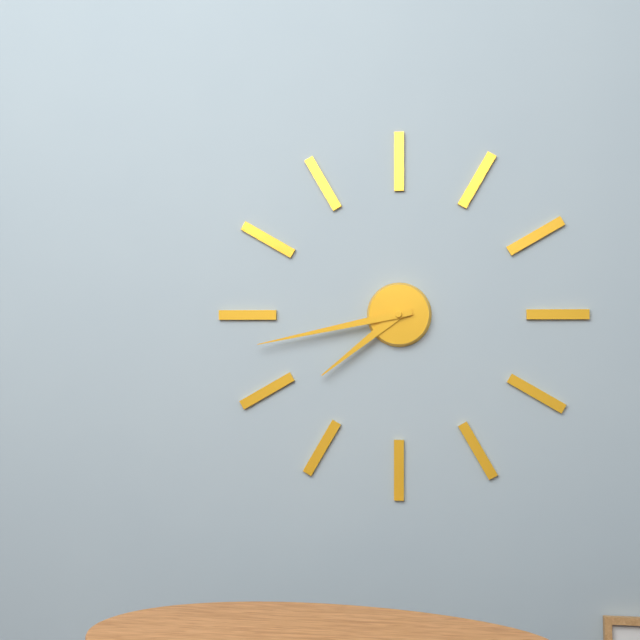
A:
**7:43**
